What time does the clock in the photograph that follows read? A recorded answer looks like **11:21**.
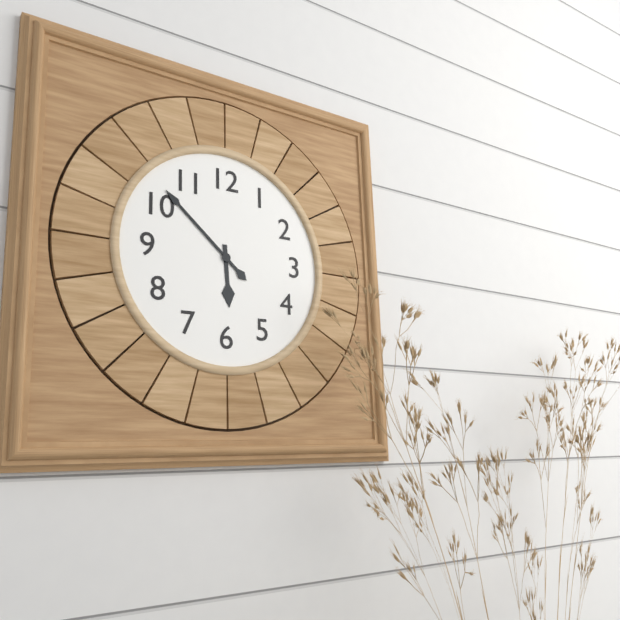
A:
**5:52**
